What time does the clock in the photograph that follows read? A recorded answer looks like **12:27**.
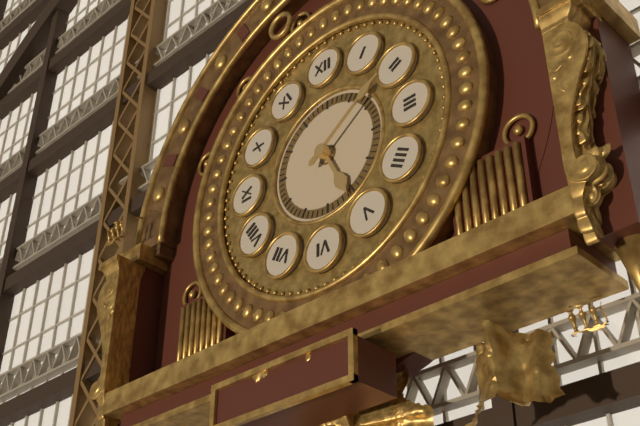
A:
**5:09**
